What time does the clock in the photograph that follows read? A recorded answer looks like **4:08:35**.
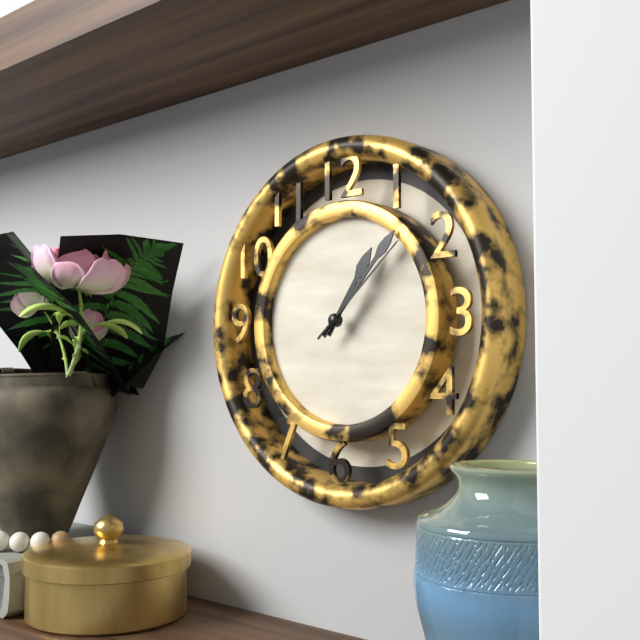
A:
**1:07:08**
